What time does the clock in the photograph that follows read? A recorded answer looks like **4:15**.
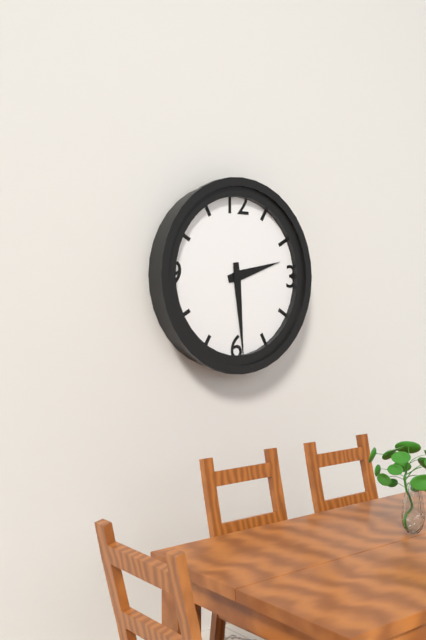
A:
**2:29**
